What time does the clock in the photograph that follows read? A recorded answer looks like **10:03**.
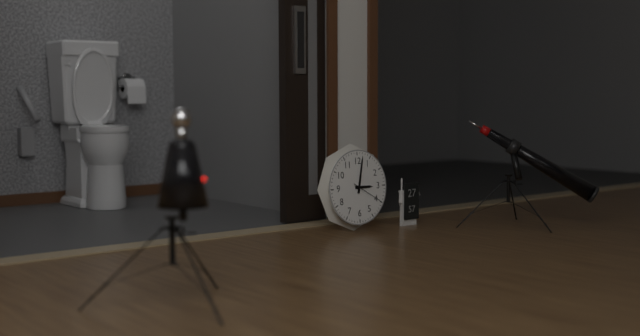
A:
**3:02**
